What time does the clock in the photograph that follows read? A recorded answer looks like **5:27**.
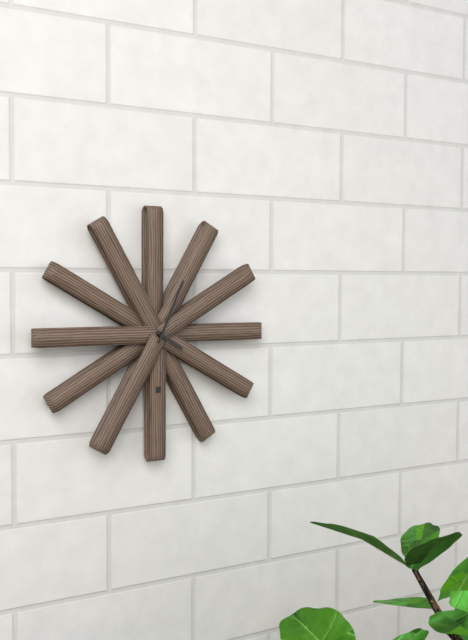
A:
**4:04**
